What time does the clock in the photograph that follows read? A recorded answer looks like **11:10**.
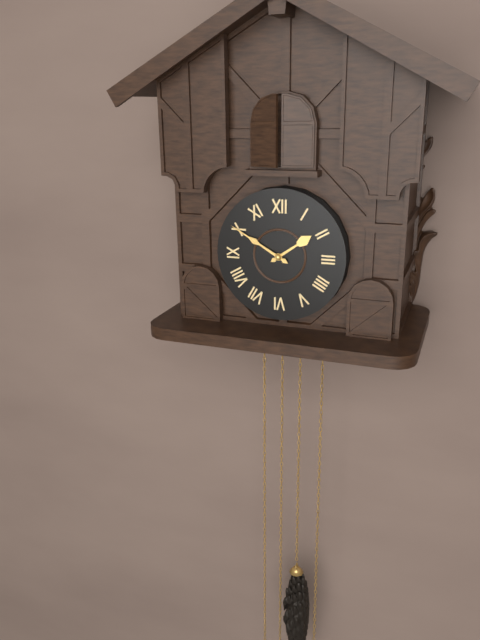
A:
**1:50**
